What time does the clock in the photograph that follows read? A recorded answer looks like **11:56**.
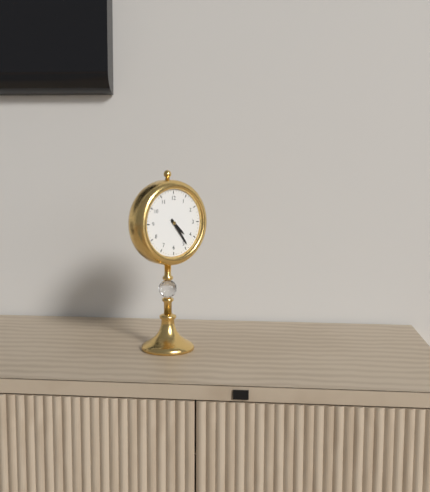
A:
**4:24**
